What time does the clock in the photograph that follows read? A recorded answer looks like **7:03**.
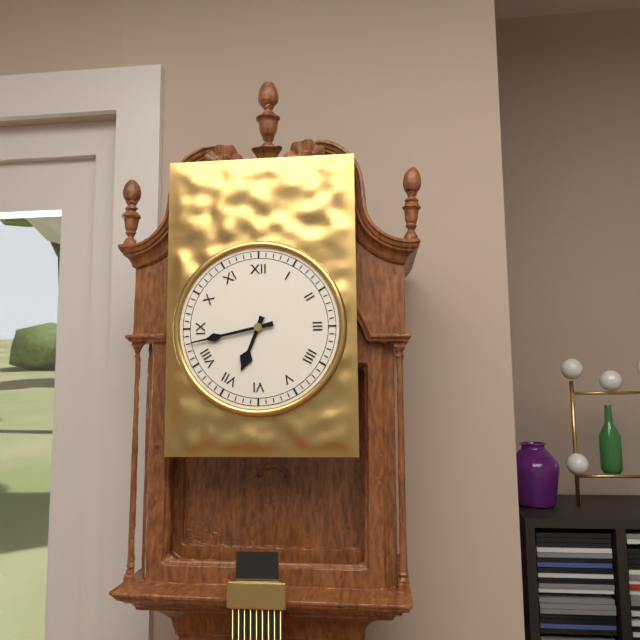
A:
**6:43**
